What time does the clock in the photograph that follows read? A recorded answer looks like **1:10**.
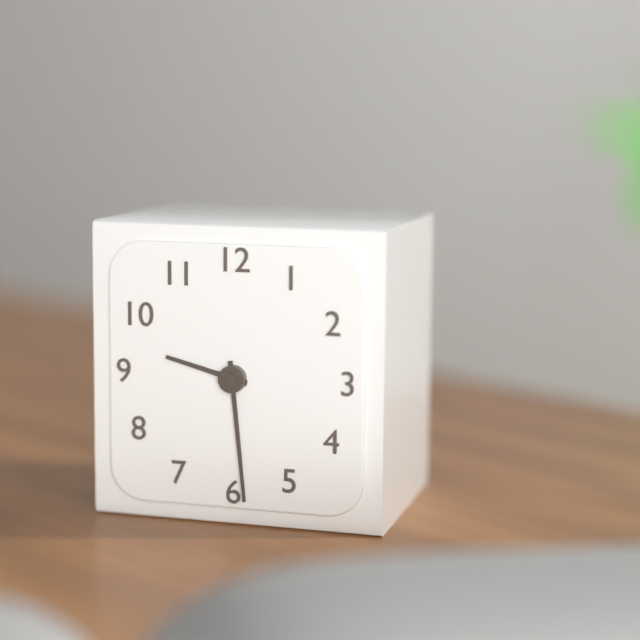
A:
**9:29**
